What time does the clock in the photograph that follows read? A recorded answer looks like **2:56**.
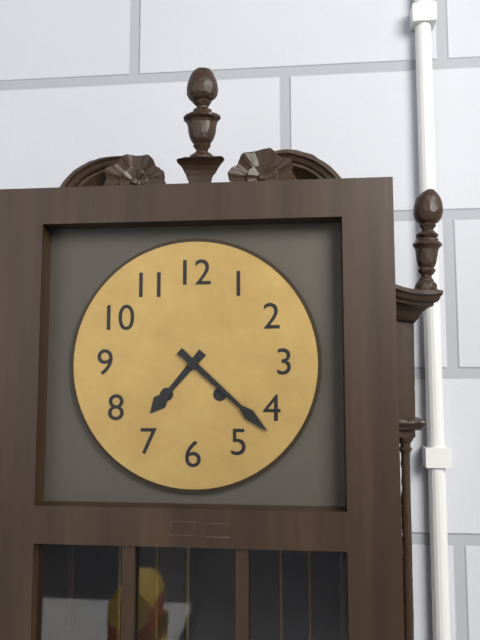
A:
**7:22**
